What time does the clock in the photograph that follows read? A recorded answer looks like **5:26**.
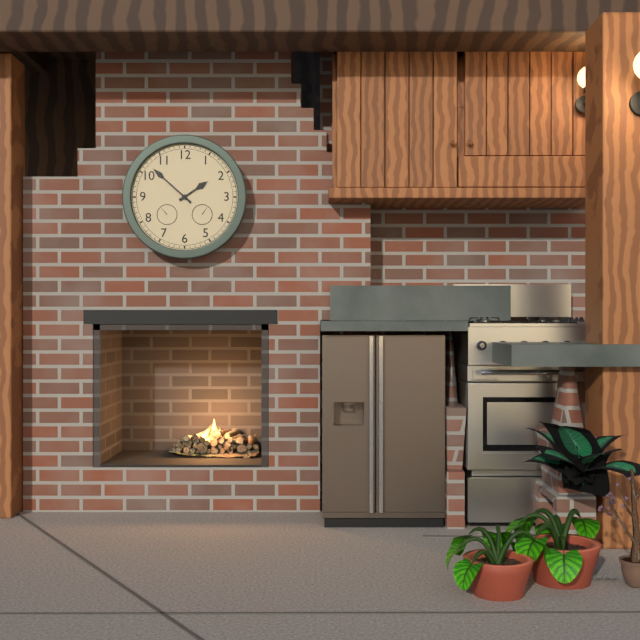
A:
**1:52**
